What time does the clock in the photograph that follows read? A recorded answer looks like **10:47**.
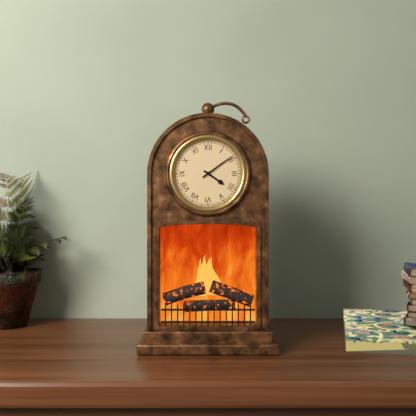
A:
**4:09**
